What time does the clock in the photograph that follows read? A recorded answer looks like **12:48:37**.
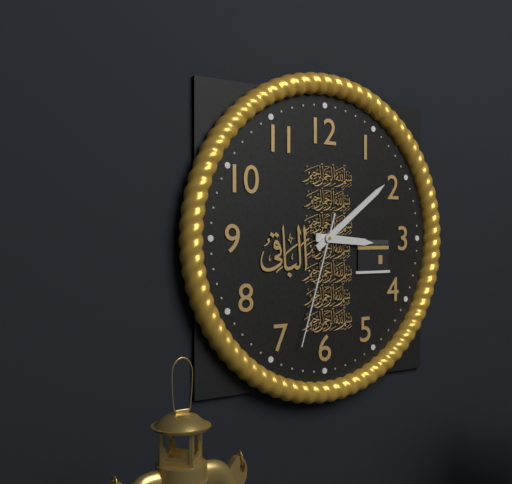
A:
**3:09:33**
